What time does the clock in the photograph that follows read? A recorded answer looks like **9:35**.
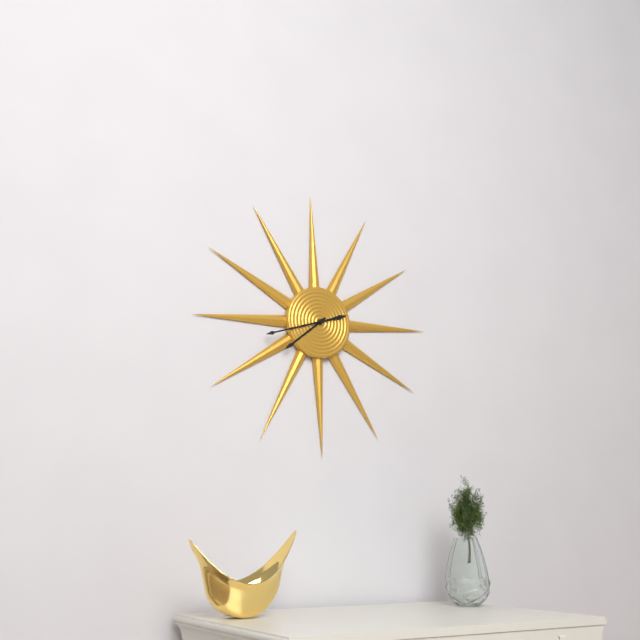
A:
**7:42**
